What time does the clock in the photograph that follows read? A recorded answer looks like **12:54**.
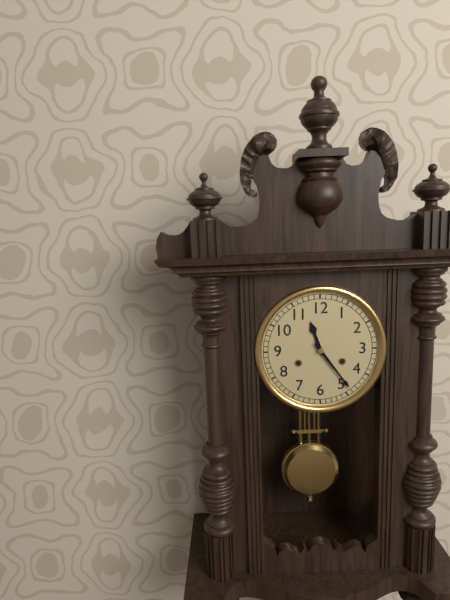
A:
**11:24**
